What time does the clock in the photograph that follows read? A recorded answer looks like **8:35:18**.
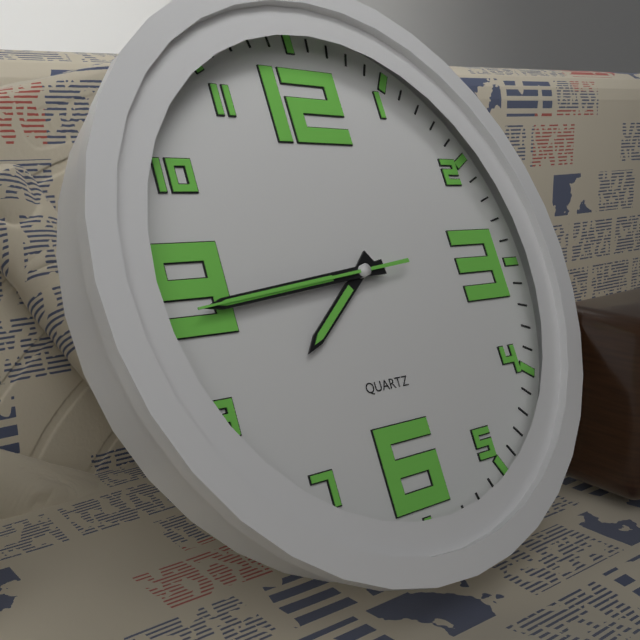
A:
**7:44:44**
